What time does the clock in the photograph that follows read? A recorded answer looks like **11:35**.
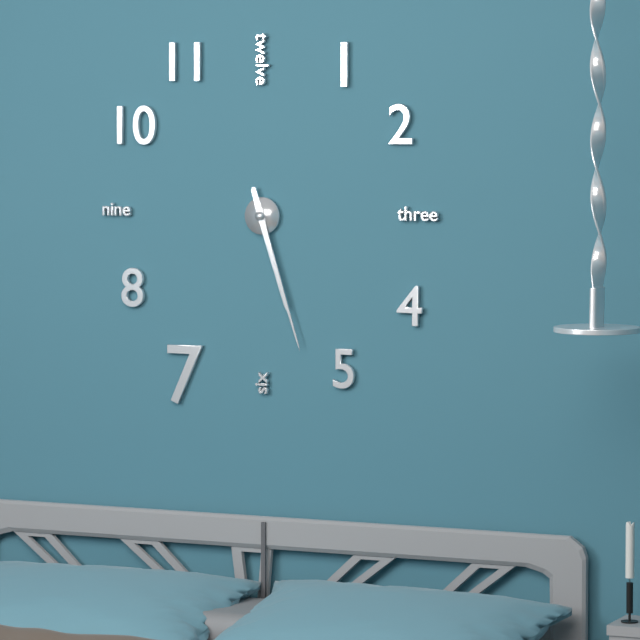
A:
**5:27**
